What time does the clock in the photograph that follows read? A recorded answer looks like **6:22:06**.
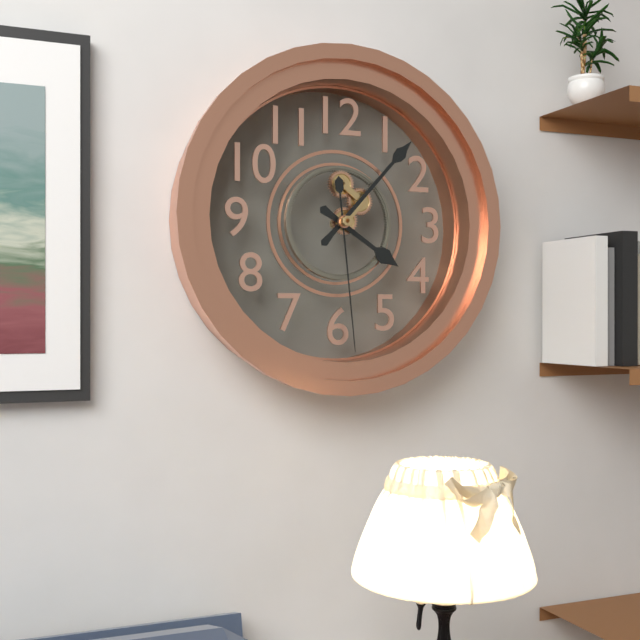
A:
**4:07:29**
